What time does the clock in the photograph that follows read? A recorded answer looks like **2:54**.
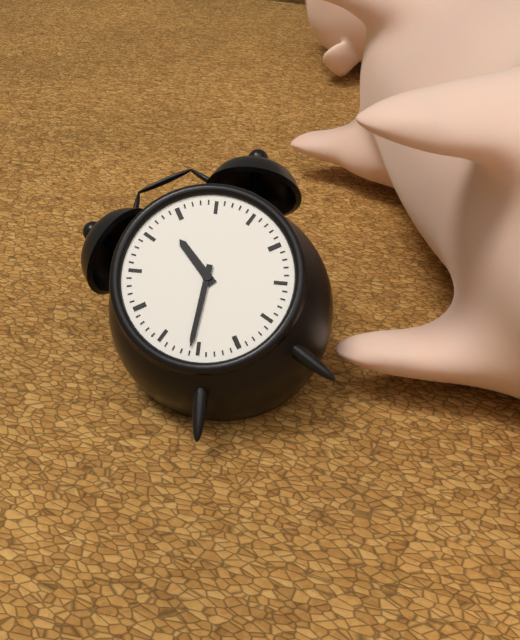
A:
**11:36**
